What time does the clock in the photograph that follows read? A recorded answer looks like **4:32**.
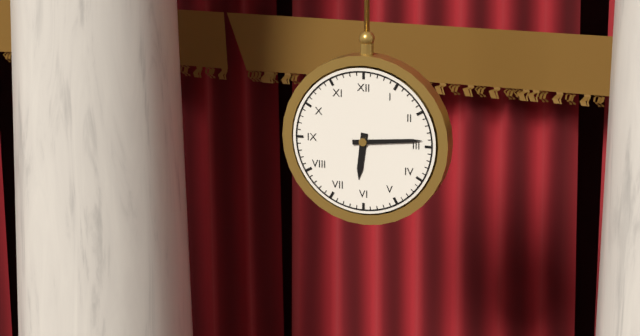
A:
**6:14**
